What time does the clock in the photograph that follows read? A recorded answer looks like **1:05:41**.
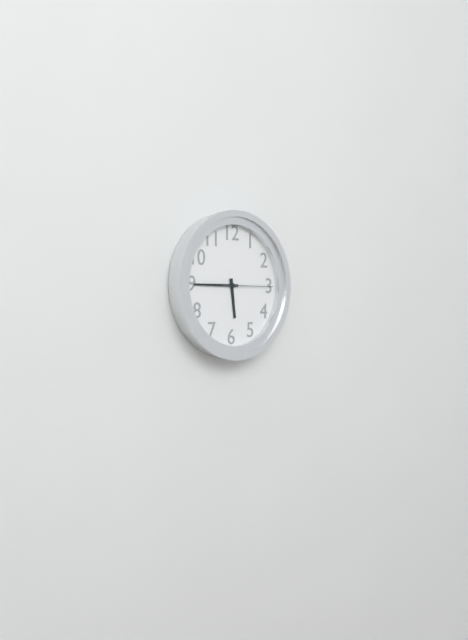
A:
**5:45:15**
